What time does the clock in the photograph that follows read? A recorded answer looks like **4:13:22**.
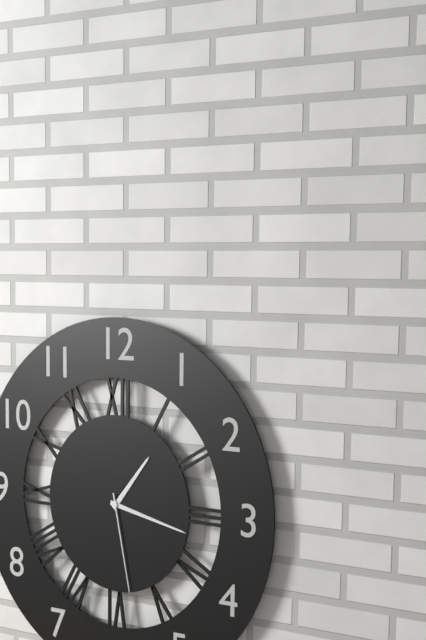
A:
**1:17:28**
